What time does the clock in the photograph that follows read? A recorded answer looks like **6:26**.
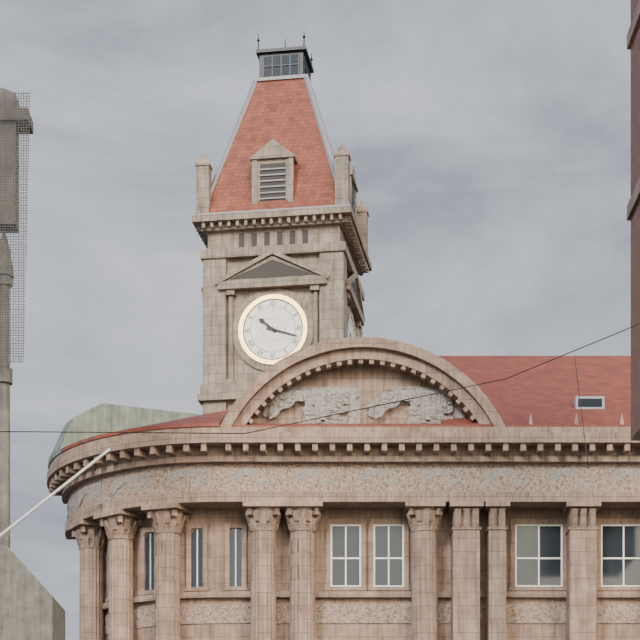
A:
**10:18**
